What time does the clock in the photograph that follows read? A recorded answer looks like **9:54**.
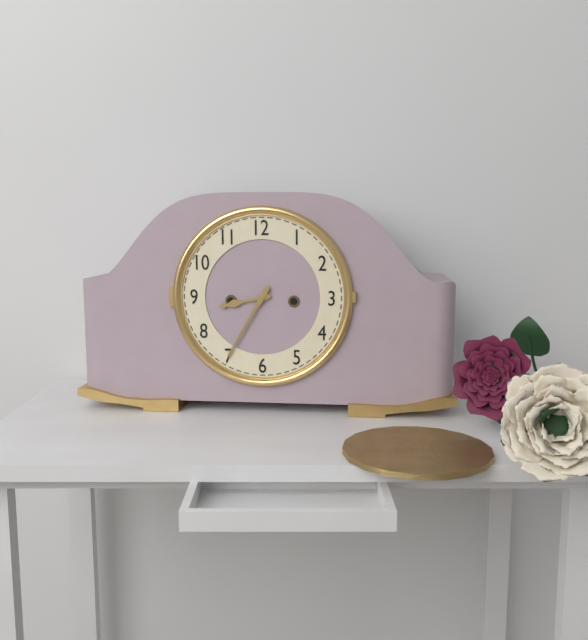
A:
**8:35**
